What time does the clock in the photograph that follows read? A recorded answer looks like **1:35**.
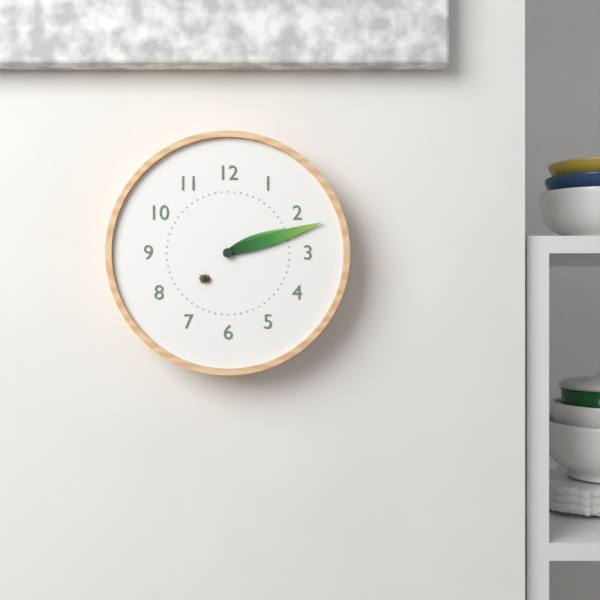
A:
**2:12**
